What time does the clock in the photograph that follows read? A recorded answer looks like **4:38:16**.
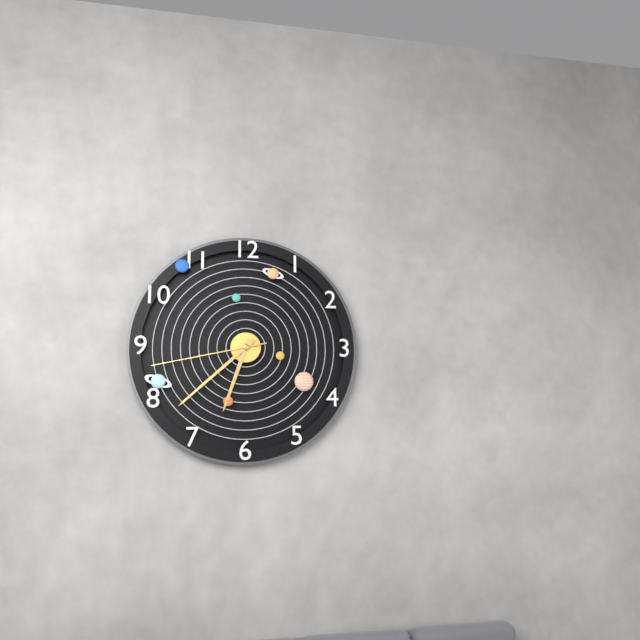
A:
**6:38:43**
